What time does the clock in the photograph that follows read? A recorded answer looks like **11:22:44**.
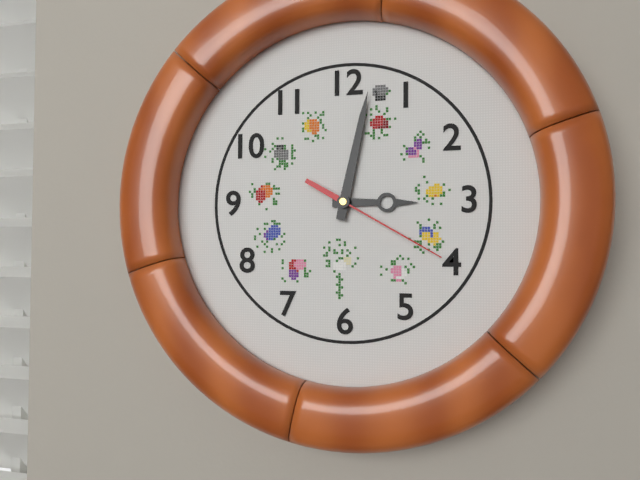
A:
**3:02:20**
